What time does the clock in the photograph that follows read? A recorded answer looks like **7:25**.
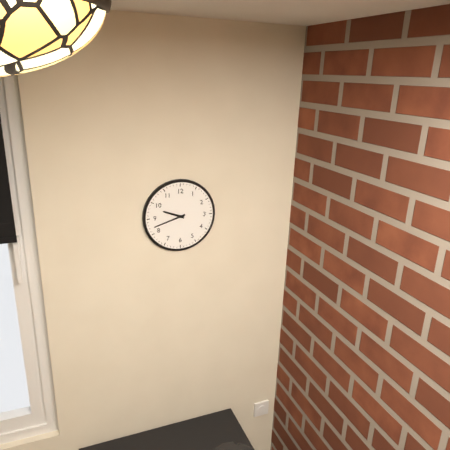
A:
**9:42**
